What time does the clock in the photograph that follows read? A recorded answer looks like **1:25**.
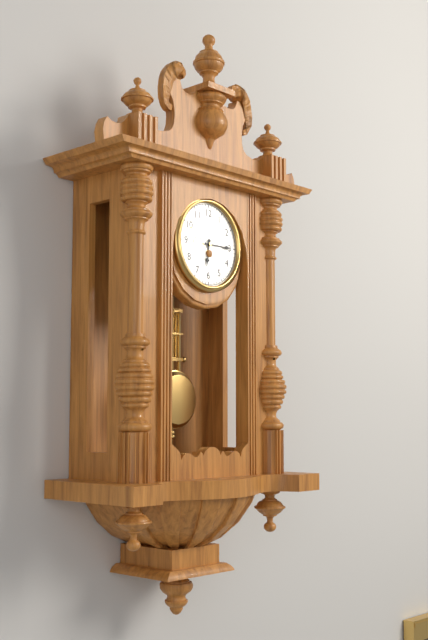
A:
**6:15**
